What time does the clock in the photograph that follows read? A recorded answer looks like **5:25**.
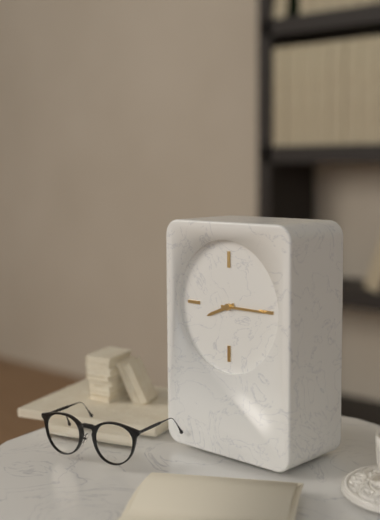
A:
**8:15**
